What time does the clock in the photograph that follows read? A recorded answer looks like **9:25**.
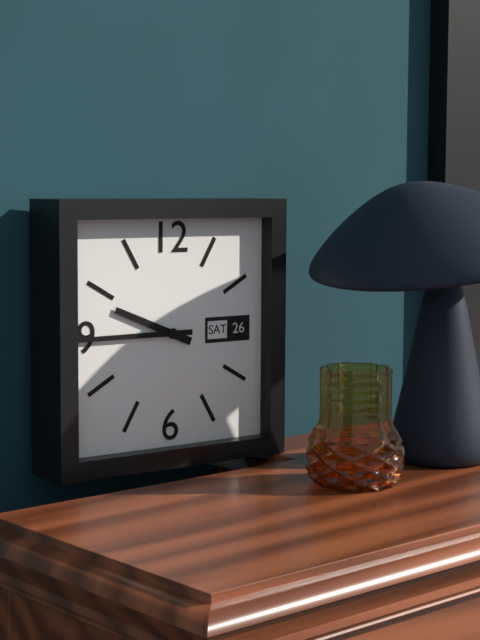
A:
**9:45**
